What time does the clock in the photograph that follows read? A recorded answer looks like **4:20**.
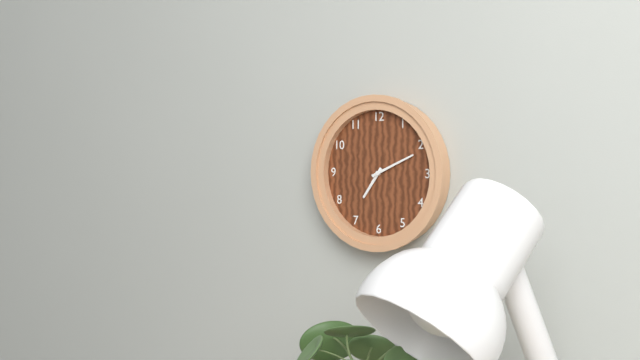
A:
**7:11**
